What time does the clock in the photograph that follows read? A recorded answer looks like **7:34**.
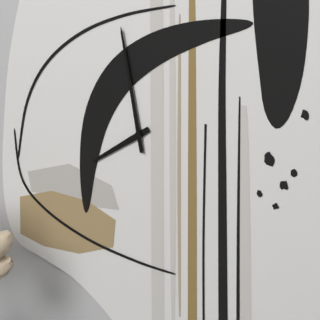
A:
**7:58**
